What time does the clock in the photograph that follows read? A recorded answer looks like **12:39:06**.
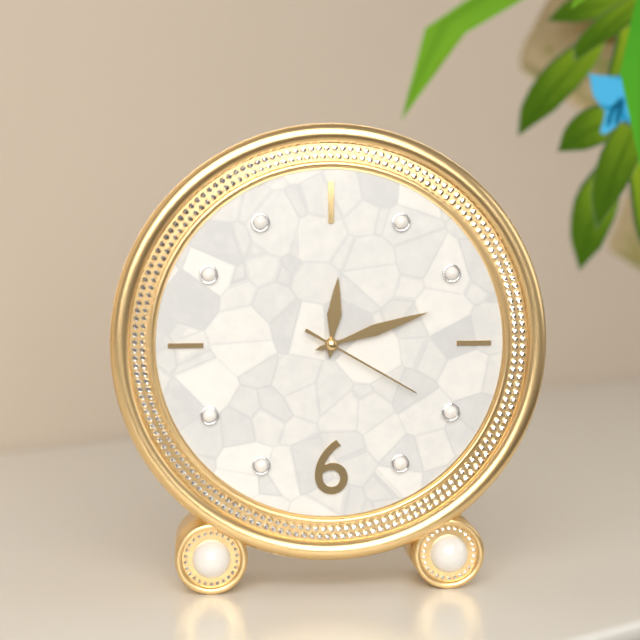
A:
**12:12:20**
